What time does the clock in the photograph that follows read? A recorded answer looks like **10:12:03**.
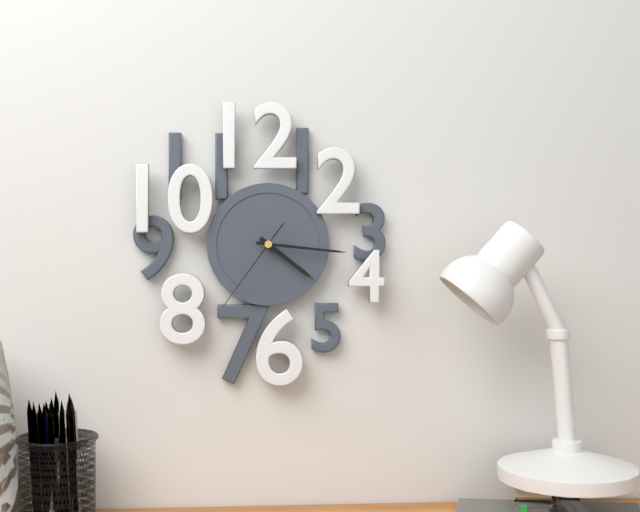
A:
**4:16:36**
